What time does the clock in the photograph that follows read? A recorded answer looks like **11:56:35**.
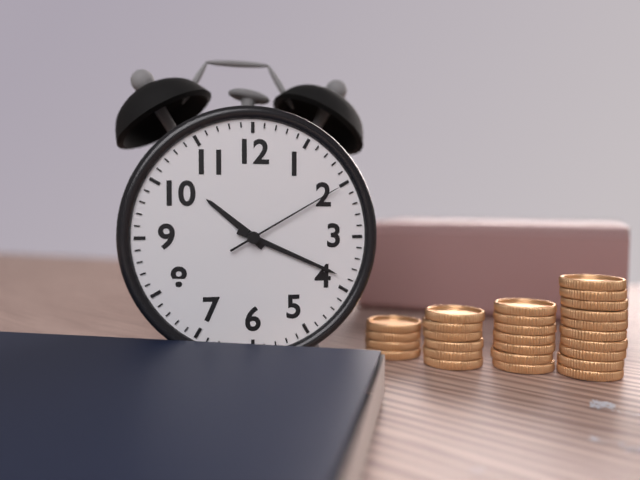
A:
**10:19:10**
